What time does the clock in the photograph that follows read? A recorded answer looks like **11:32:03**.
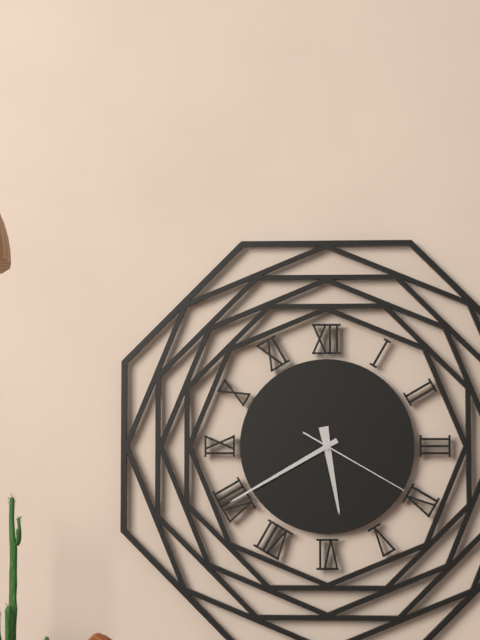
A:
**5:40:20**
